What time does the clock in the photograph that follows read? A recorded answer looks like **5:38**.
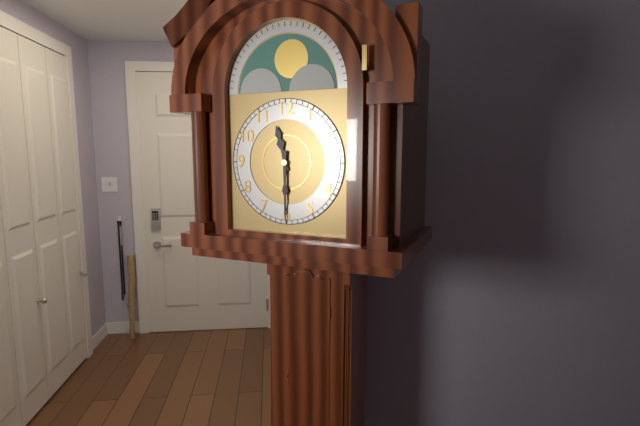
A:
**11:30**
